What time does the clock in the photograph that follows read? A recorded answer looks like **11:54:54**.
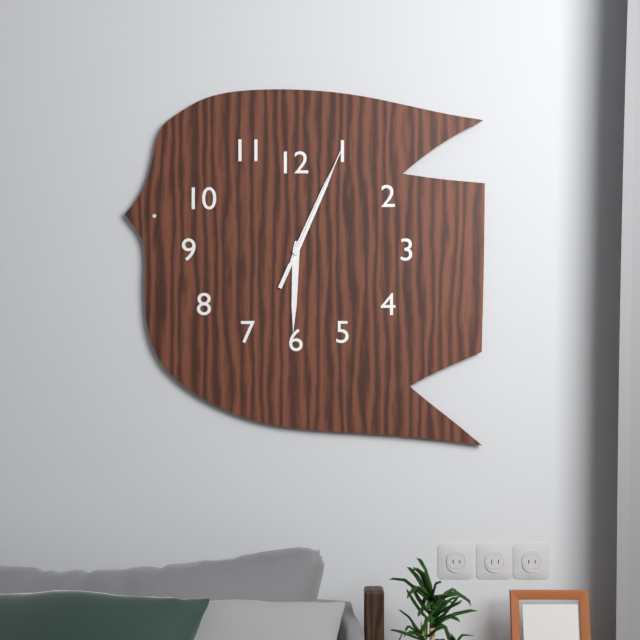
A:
**6:04:04**
